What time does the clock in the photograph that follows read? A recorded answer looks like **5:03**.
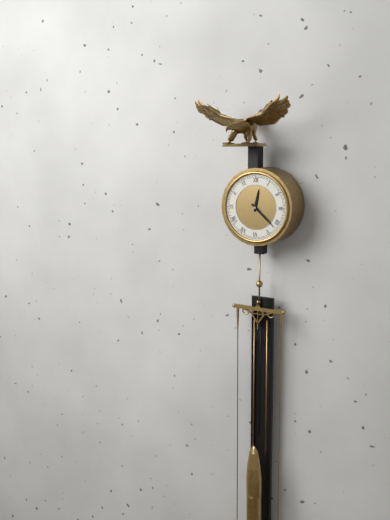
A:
**12:22**
